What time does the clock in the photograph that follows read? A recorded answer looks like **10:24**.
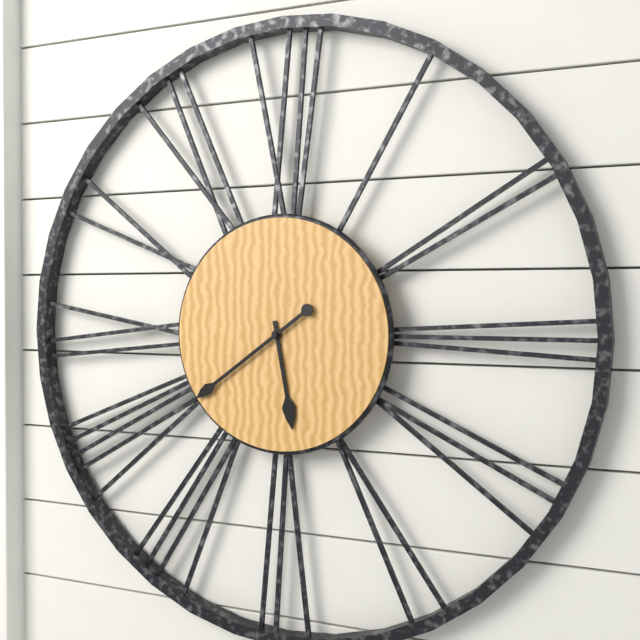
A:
**5:39**
